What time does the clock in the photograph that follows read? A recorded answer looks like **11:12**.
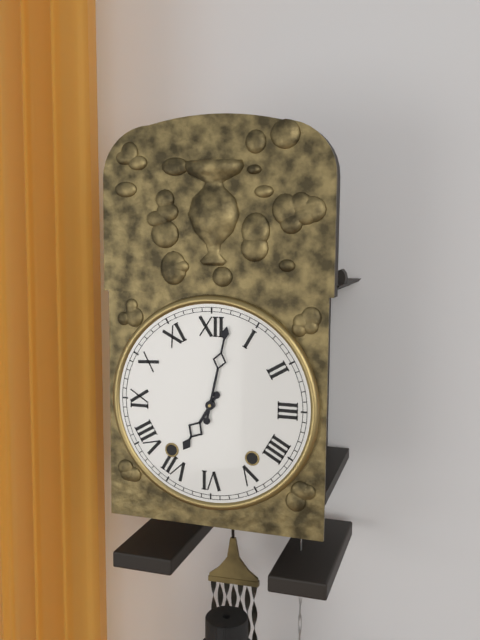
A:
**7:02**
